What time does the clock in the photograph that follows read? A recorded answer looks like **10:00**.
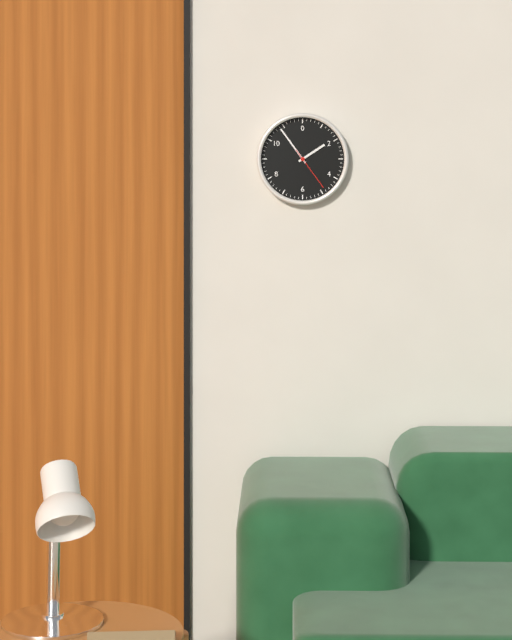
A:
**1:54**
